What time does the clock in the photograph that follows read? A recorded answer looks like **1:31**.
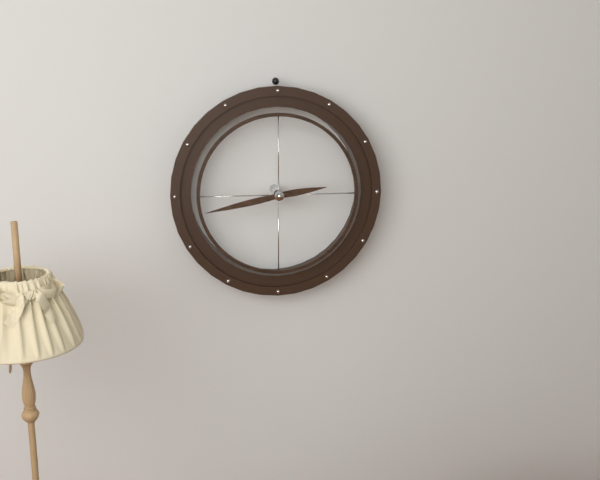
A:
**2:43**
